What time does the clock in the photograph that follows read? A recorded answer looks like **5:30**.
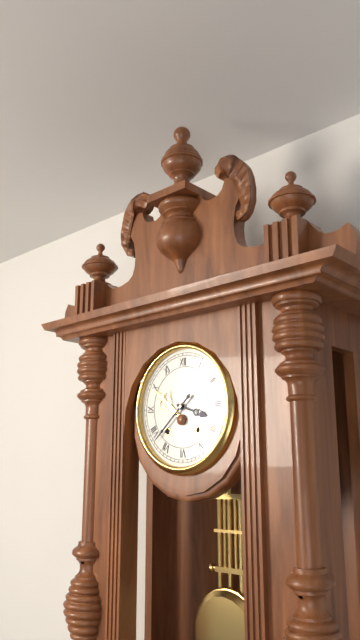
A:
**3:38**
